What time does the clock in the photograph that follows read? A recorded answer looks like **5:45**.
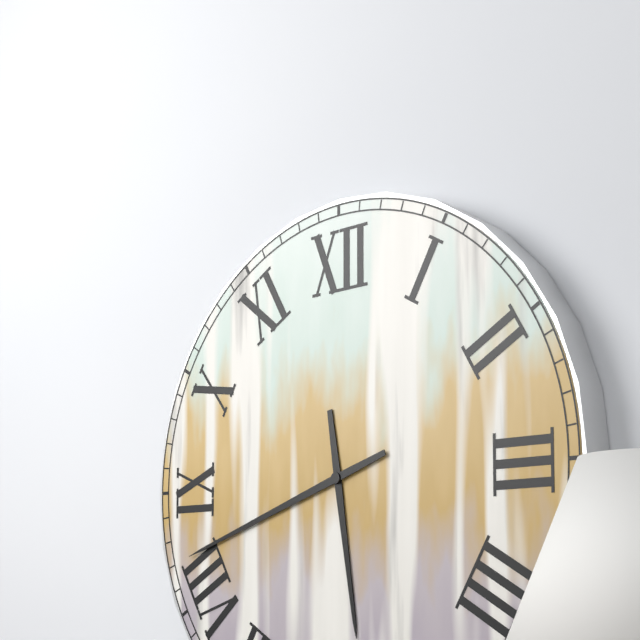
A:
**5:42**
